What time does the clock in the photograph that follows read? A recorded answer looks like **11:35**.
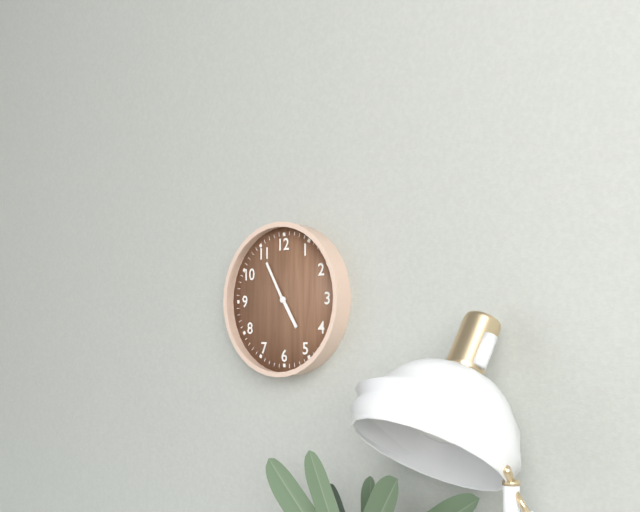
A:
**4:55**
